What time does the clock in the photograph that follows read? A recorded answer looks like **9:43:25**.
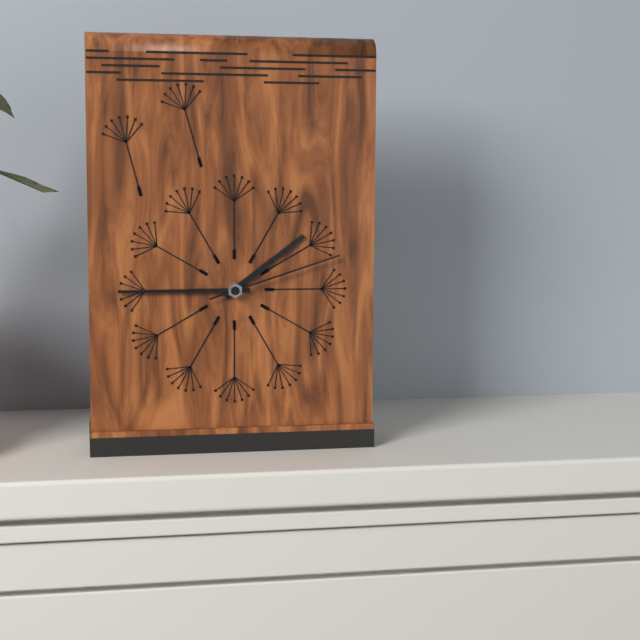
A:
**1:45:12**
